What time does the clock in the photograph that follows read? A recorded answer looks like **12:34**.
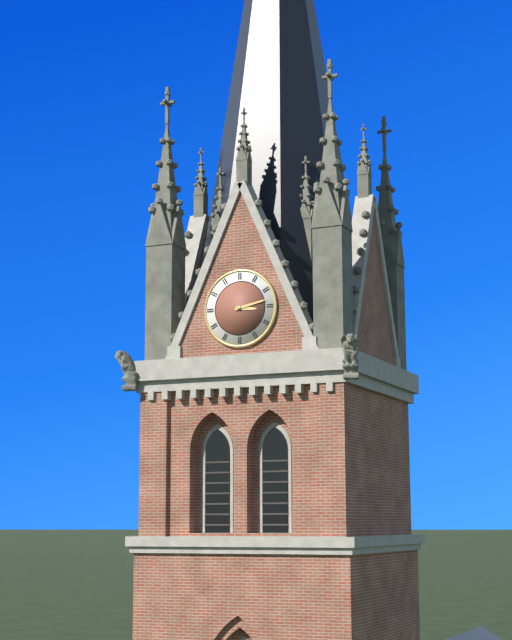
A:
**3:13**
